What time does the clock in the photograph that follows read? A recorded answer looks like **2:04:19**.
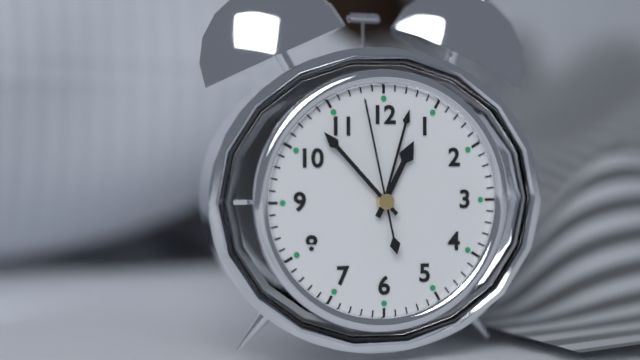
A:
**12:53:58**
